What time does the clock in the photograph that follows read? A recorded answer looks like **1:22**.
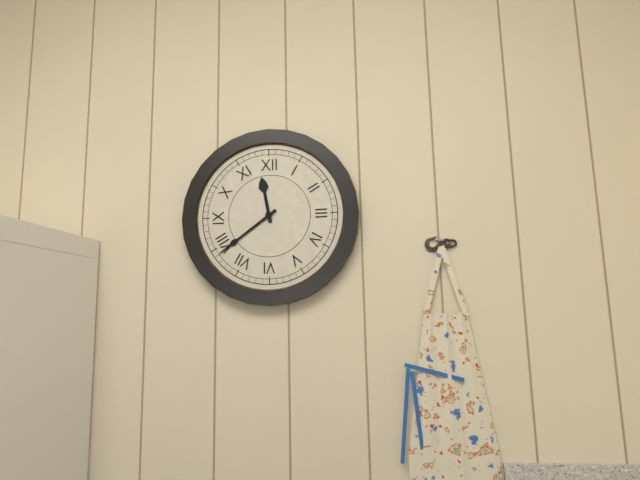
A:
**11:39**
